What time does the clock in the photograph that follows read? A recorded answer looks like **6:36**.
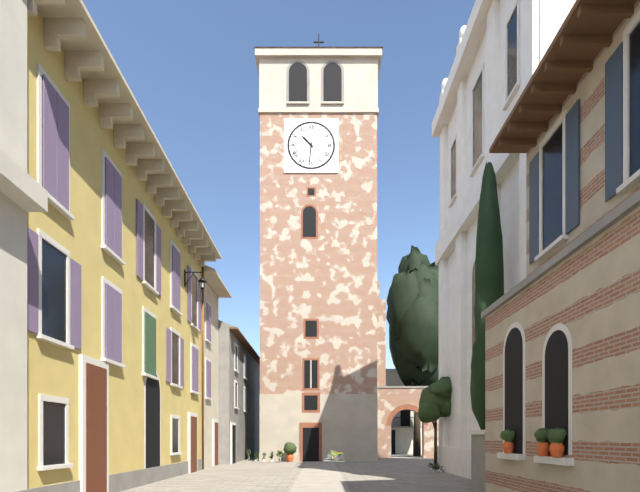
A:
**10:31**
